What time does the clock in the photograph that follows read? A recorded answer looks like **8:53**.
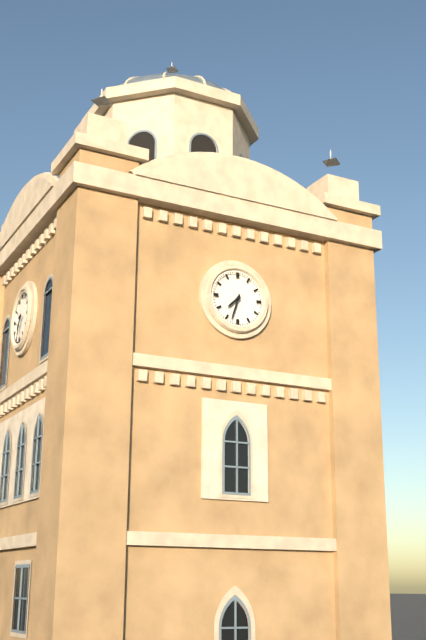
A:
**7:33**
